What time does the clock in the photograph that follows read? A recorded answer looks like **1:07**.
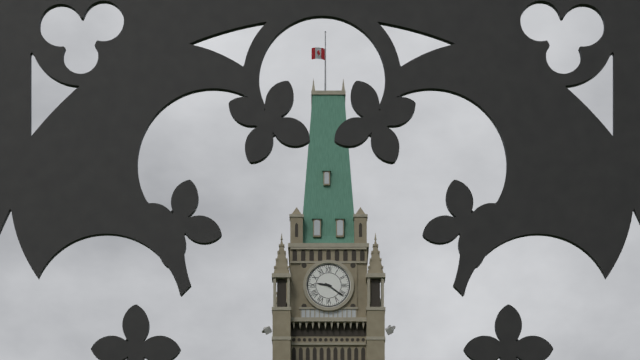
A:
**9:21**
